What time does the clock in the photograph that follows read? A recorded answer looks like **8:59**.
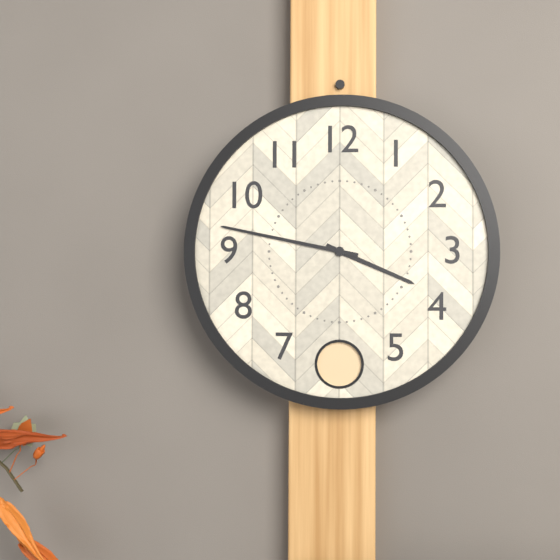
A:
**3:47**
